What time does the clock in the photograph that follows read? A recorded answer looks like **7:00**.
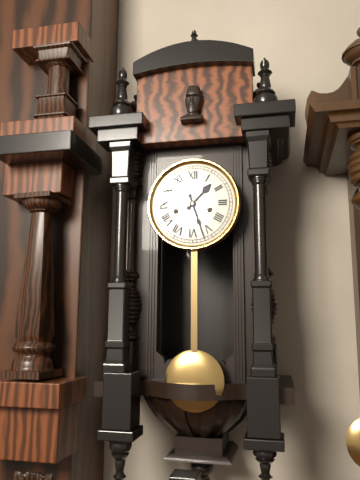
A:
**1:27**
